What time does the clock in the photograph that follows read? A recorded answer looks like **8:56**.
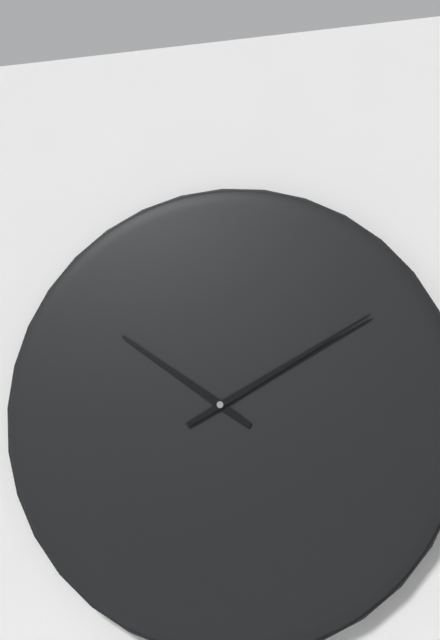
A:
**10:10**
